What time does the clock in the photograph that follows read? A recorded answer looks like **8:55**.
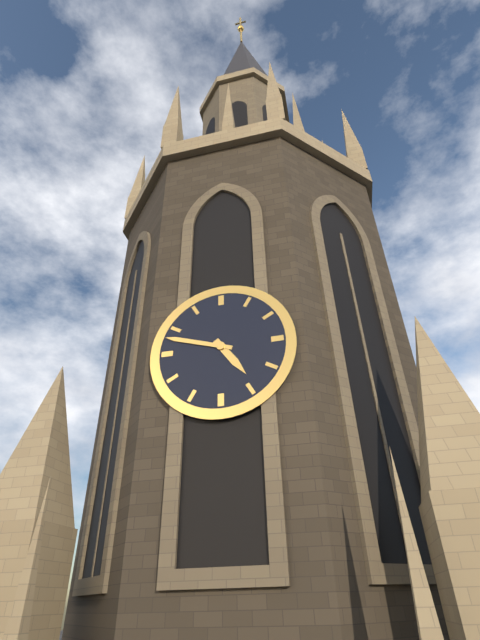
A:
**4:48**
